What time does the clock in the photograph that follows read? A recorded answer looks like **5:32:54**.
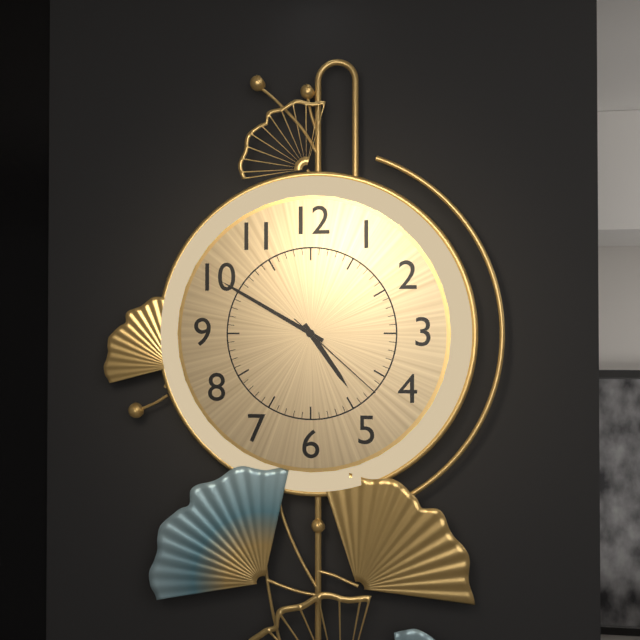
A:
**4:50:22**
